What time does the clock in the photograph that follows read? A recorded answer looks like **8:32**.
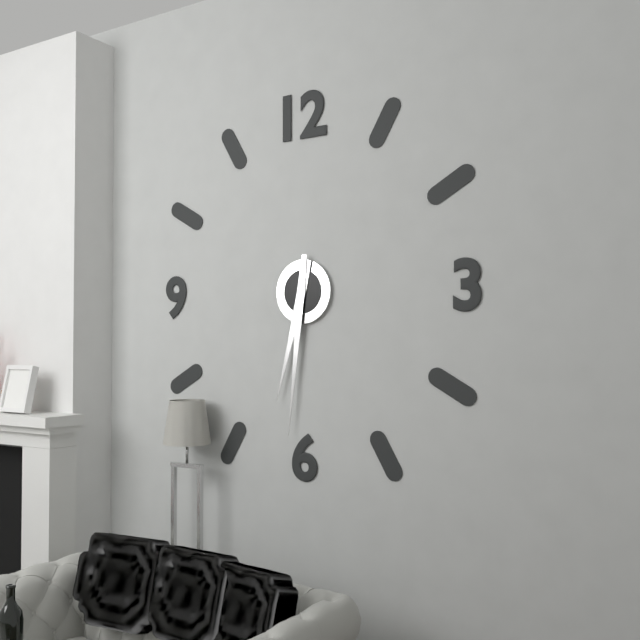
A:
**6:31**
